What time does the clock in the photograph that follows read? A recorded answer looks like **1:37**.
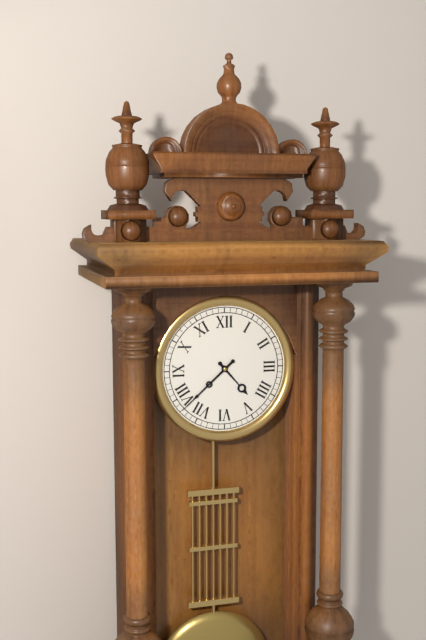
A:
**4:38**
